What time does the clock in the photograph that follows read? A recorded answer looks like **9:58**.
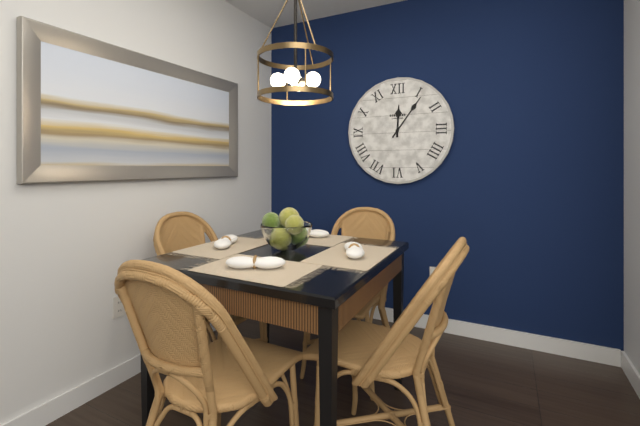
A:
**12:06**
